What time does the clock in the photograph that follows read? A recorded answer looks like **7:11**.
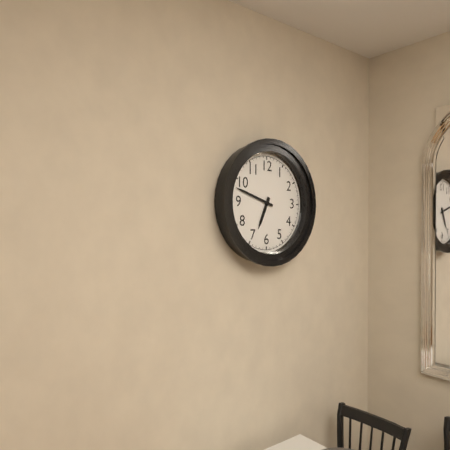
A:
**6:48**
